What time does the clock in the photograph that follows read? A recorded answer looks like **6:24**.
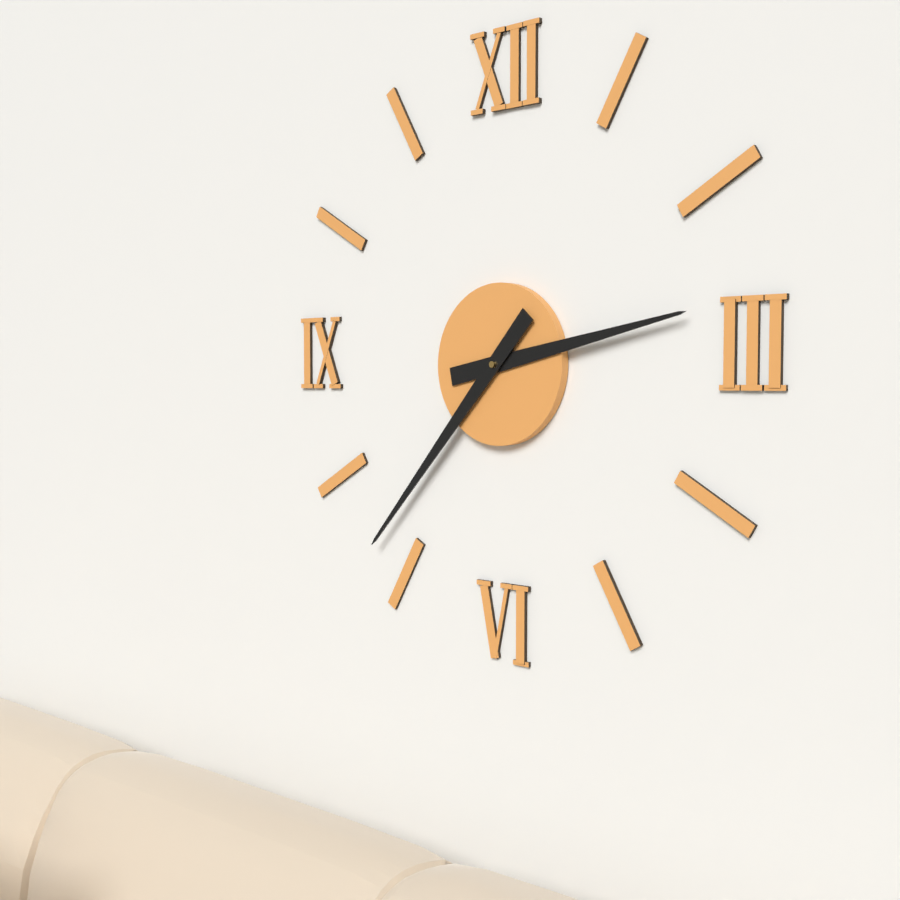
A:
**2:37**
